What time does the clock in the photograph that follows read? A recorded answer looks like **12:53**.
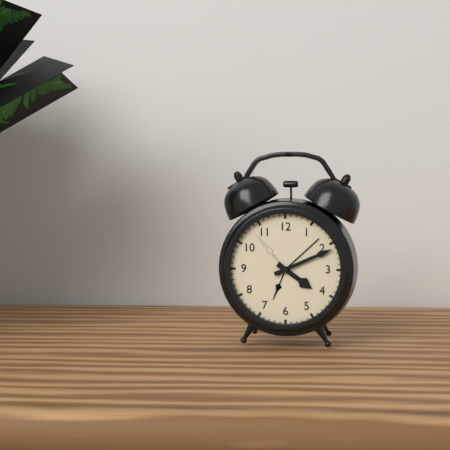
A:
**4:11**
